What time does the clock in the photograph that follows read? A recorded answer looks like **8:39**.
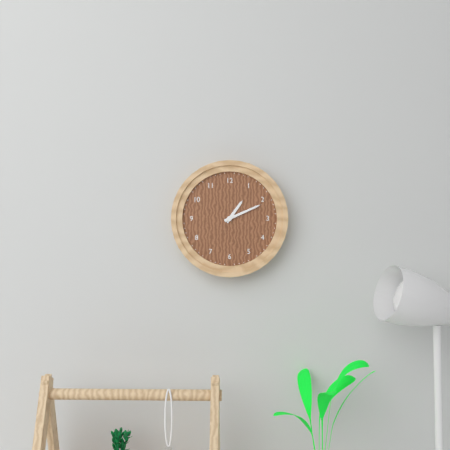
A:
**1:11**
